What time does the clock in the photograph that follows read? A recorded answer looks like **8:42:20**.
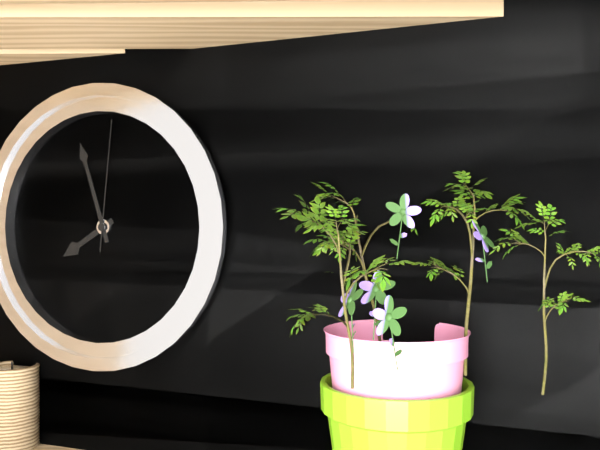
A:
**7:57:01**
